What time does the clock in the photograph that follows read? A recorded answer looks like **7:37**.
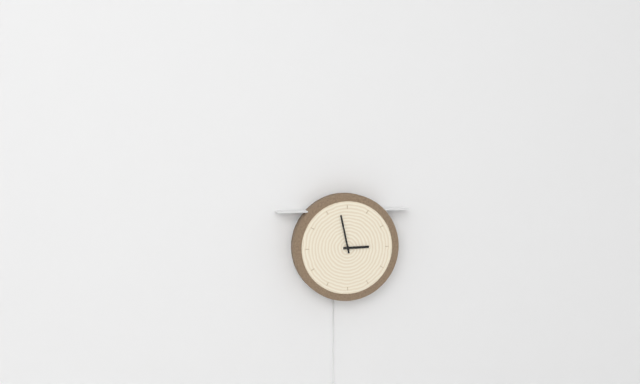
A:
**2:58**
